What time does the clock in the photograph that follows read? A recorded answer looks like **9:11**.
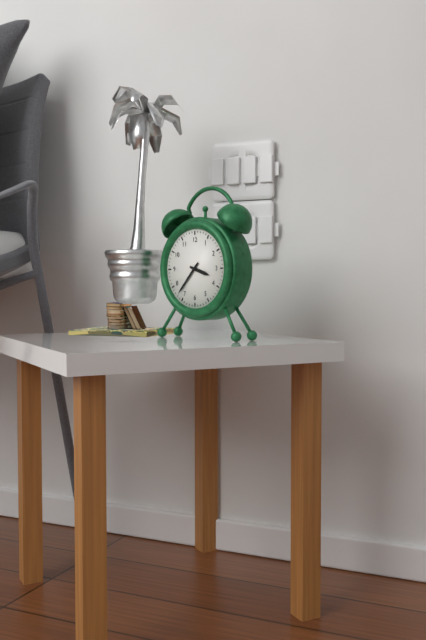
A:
**3:37**
